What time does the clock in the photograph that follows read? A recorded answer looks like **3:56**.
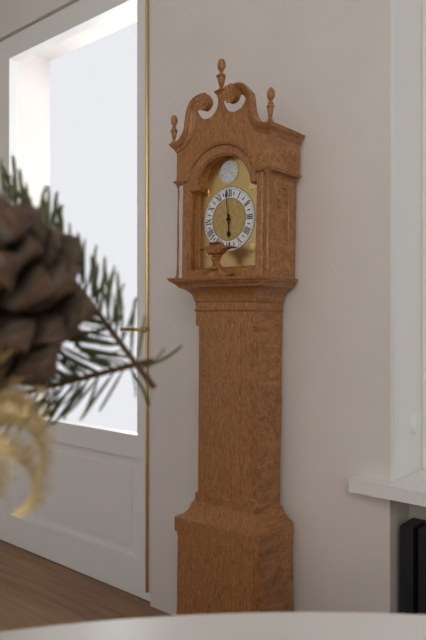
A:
**5:59**
